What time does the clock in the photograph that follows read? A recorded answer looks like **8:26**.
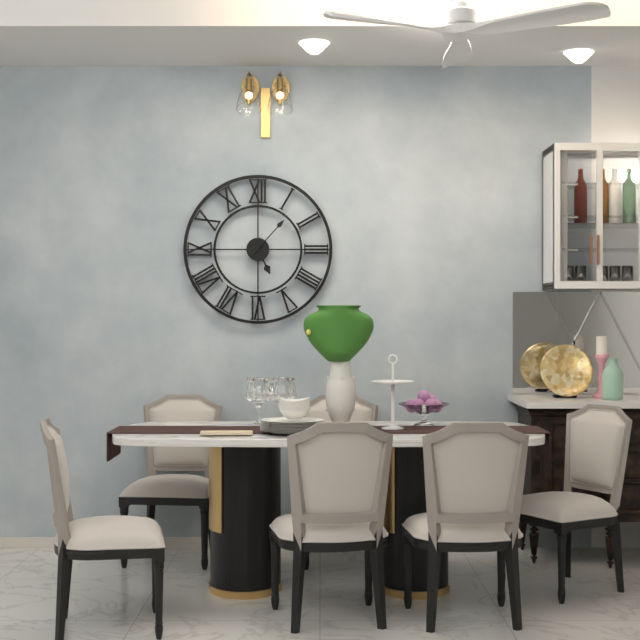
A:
**5:07**
